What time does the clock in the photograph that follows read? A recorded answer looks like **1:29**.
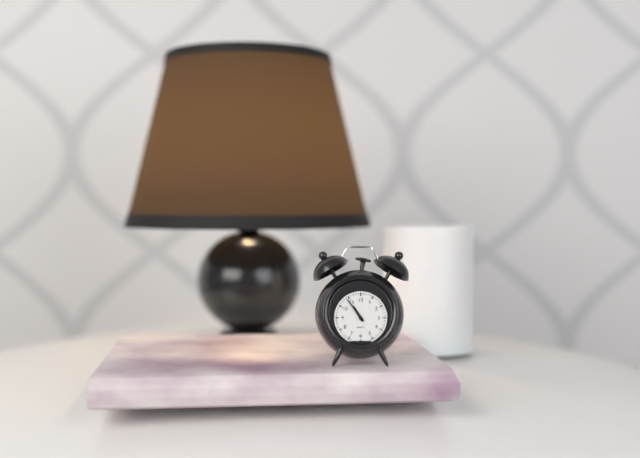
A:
**10:54**
